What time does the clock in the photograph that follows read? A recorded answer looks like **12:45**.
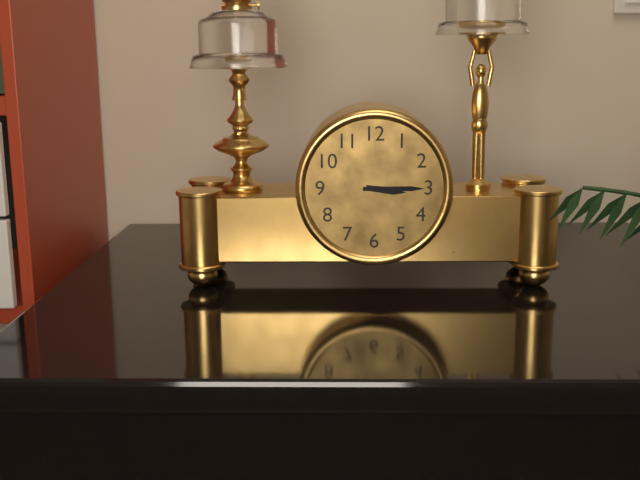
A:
**3:15**
